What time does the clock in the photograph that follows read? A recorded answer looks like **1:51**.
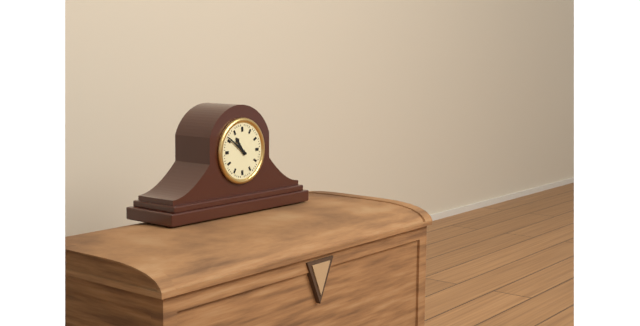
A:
**10:51**
